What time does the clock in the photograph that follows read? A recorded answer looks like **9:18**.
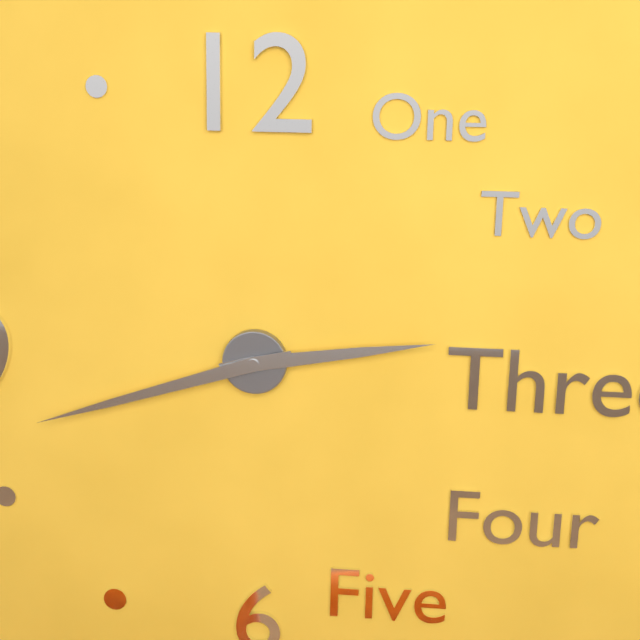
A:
**2:42**
